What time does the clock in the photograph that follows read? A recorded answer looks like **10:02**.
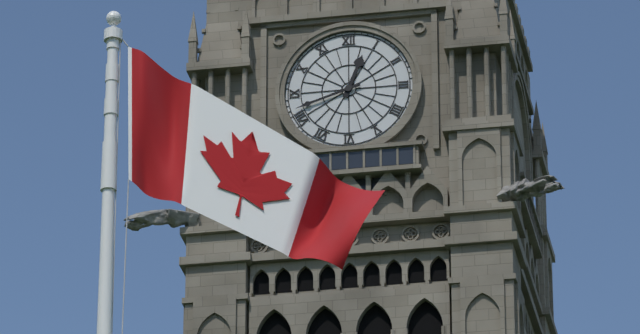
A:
**12:42**
